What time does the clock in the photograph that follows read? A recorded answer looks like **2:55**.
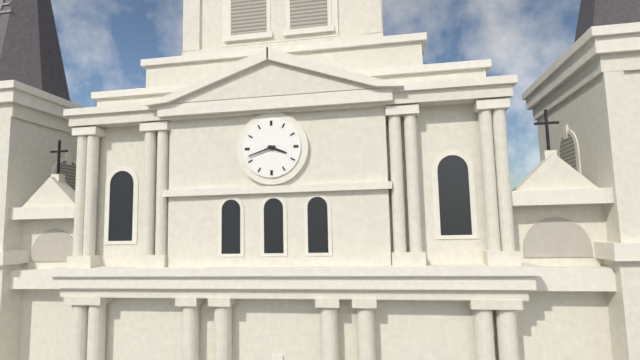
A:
**3:42**
